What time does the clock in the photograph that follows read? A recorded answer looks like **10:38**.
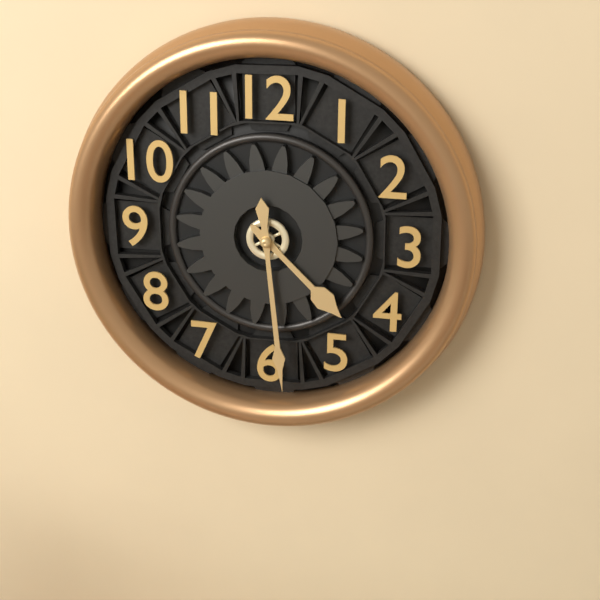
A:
**4:29**
